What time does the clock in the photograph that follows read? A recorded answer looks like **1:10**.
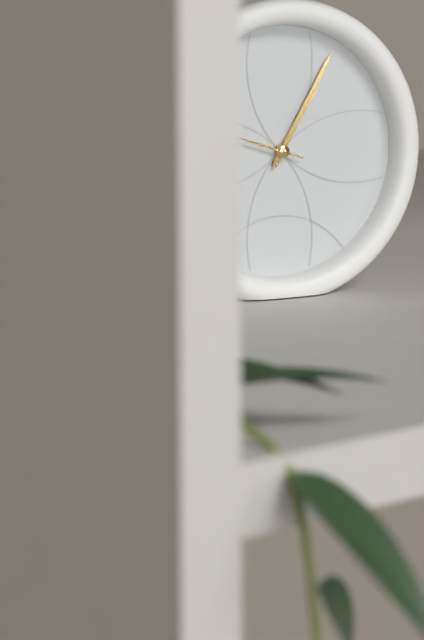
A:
**1:05**
